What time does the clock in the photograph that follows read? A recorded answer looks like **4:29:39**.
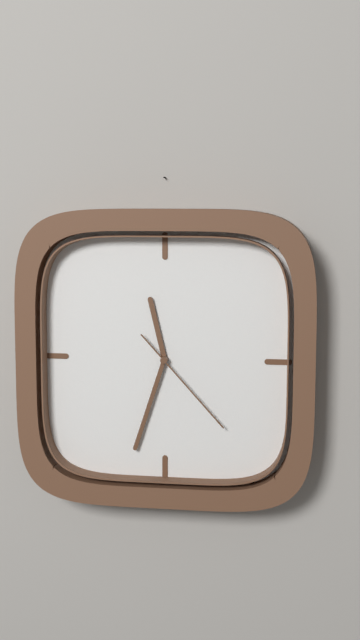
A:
**11:33:23**
